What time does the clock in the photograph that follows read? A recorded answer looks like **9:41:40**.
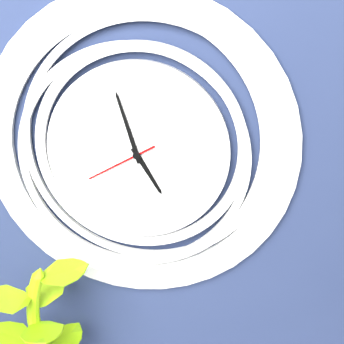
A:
**4:57:40**
